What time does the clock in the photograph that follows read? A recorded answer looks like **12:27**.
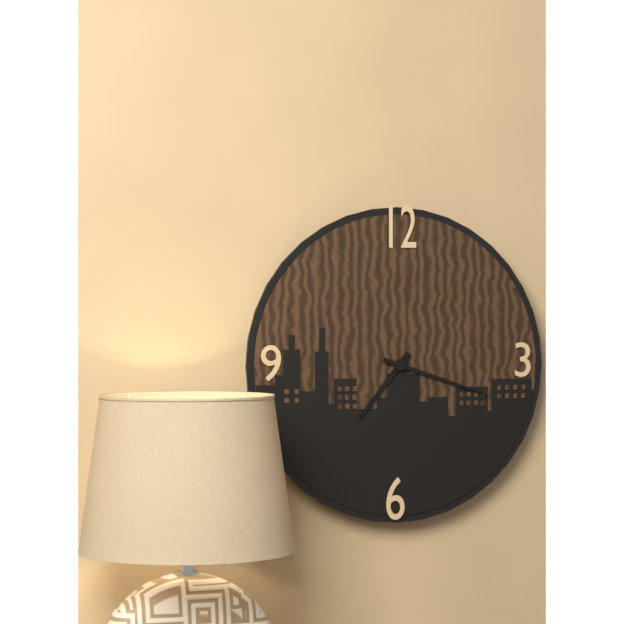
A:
**7:18**
